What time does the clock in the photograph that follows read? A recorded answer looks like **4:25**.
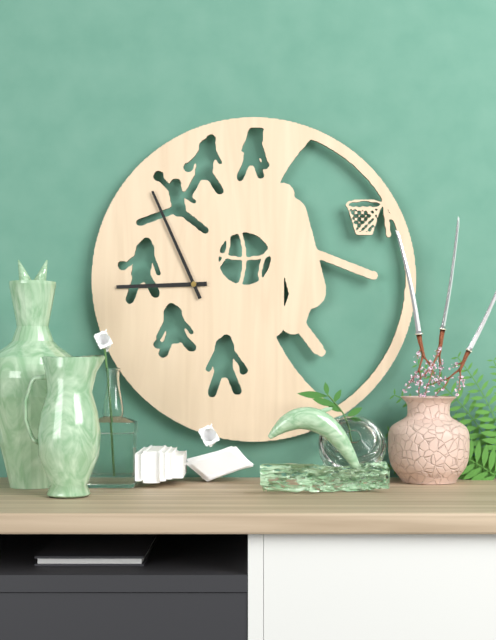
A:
**8:56**
